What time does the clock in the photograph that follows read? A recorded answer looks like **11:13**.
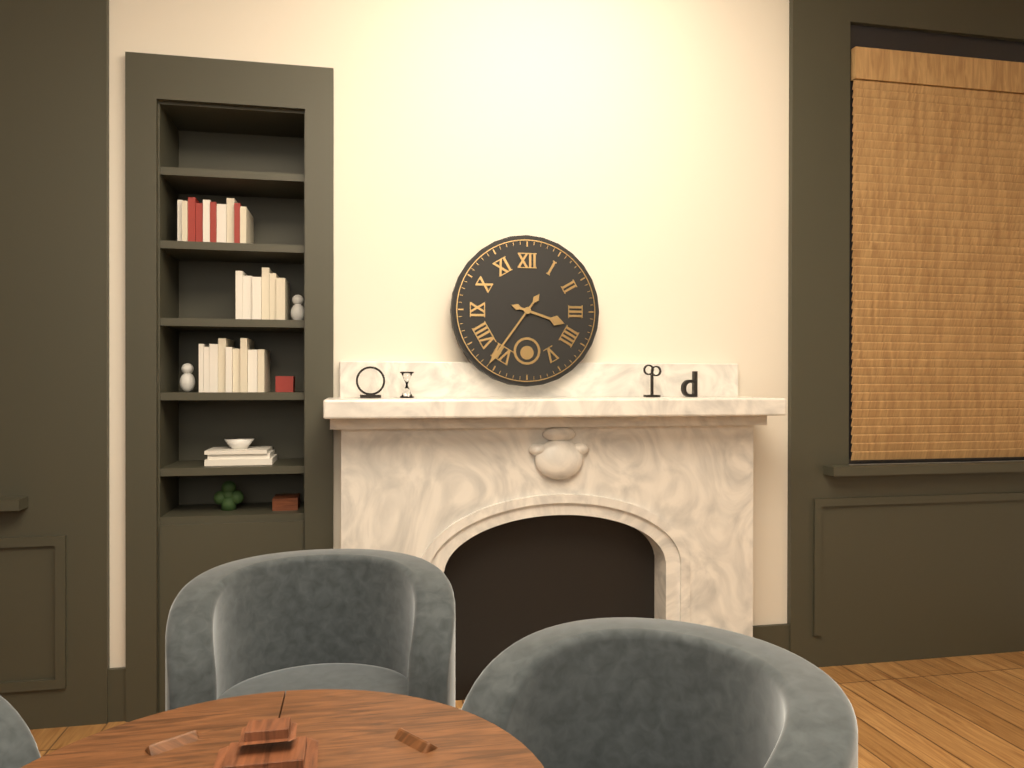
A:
**3:36**
